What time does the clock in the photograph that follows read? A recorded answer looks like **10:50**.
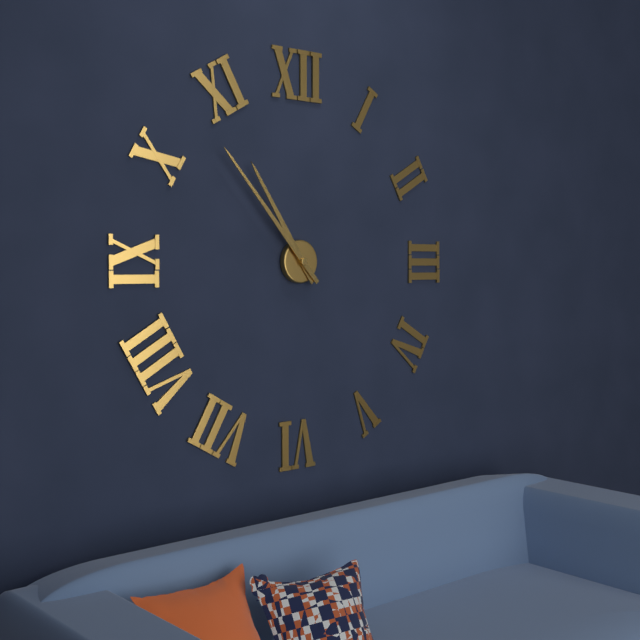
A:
**10:53**
